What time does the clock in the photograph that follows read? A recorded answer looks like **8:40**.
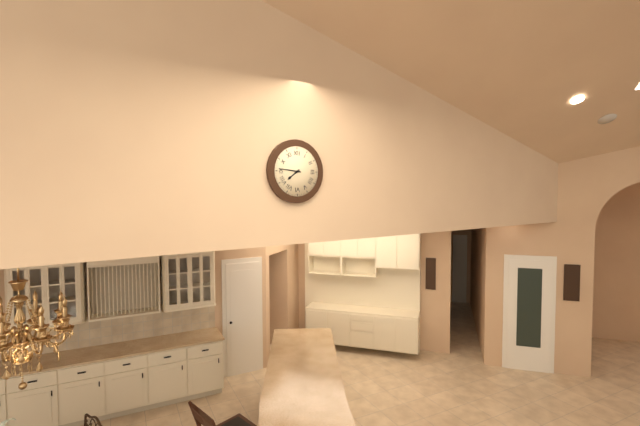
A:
**7:46**
